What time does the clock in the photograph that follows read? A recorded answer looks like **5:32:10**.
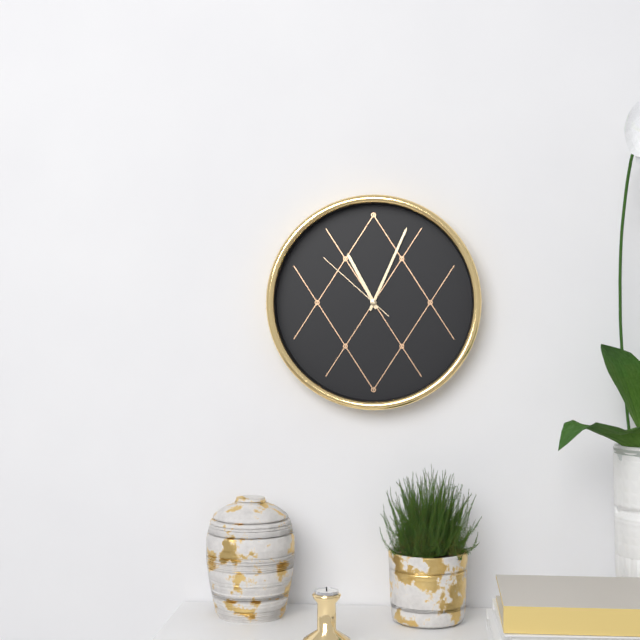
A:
**11:04:52**
